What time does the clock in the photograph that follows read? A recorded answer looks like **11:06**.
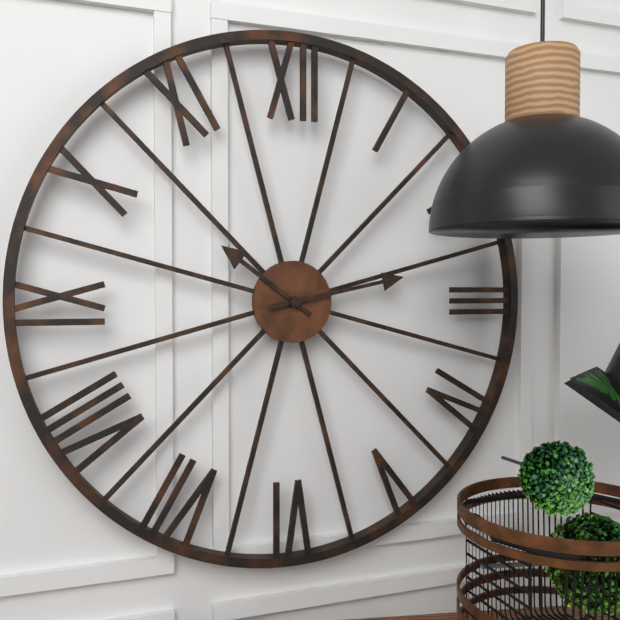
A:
**10:13**
